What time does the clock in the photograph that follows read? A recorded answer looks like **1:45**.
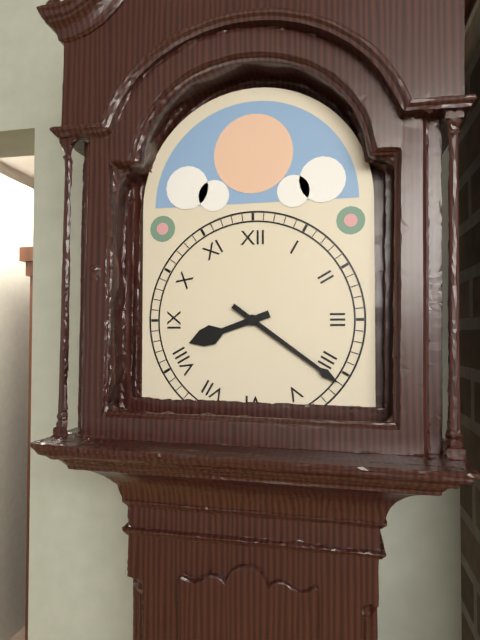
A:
**8:21**
